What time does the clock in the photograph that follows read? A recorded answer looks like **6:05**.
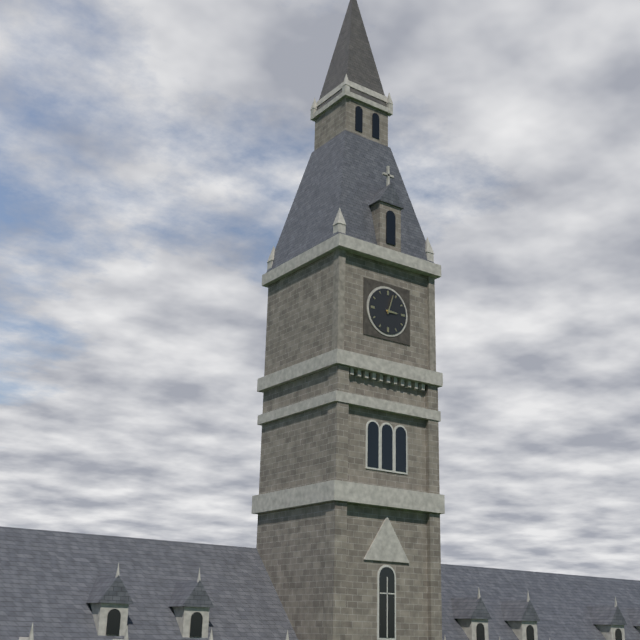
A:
**3:03**
